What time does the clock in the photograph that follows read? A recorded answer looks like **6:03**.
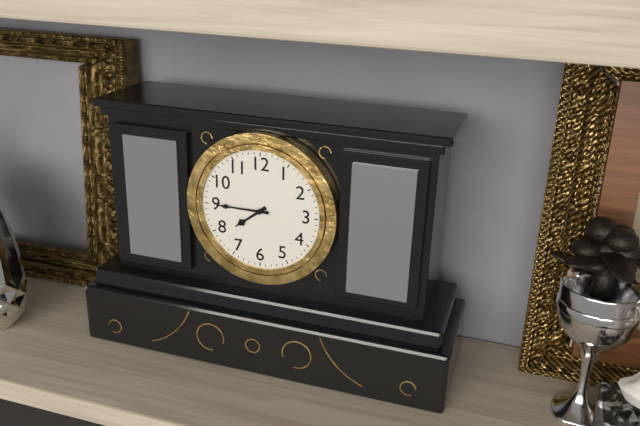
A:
**7:45**
